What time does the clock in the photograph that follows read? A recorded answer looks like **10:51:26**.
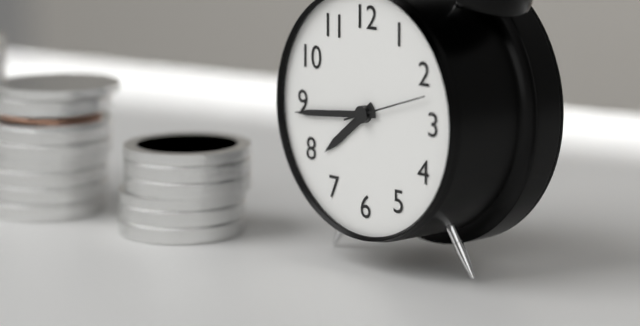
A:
**7:44:12**
